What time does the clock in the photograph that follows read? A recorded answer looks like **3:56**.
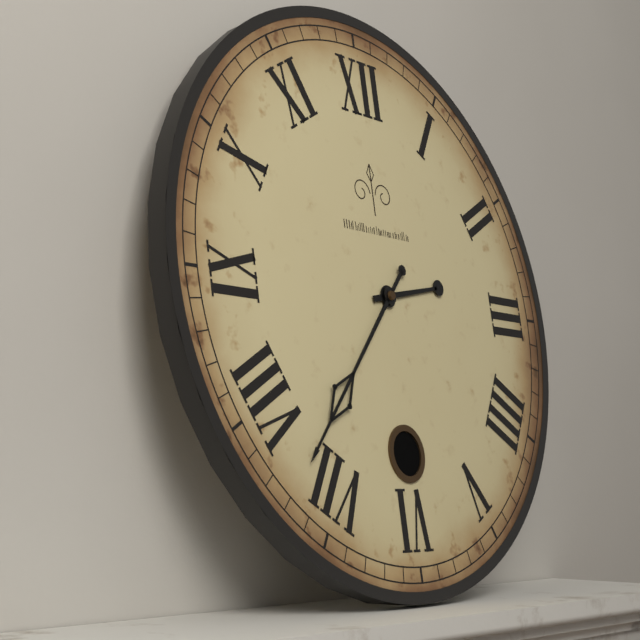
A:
**2:37**
